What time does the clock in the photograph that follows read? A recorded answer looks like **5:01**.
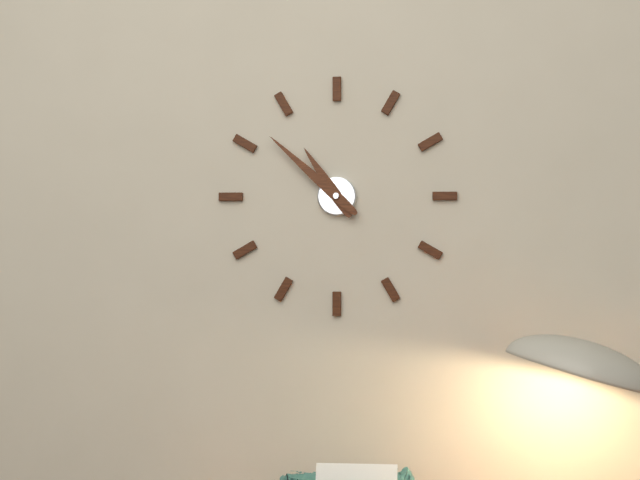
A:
**10:52**
